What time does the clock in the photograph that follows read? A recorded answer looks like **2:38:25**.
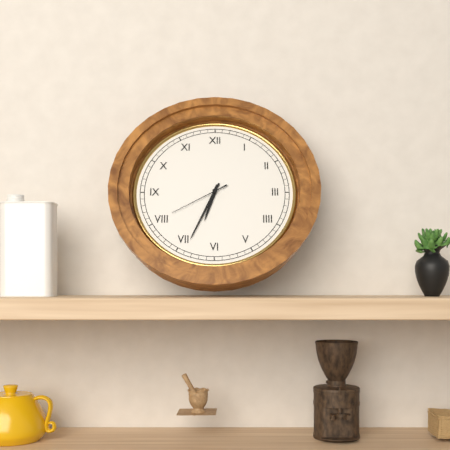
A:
**6:34:40**
